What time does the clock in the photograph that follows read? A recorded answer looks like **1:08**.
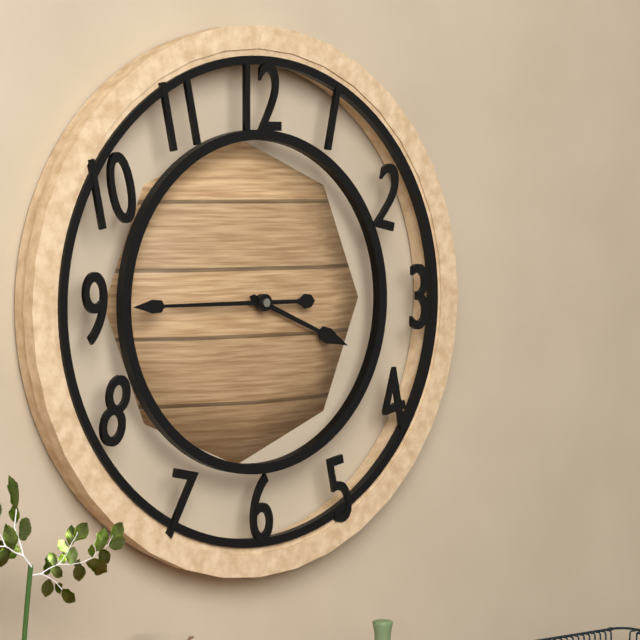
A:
**3:45**
